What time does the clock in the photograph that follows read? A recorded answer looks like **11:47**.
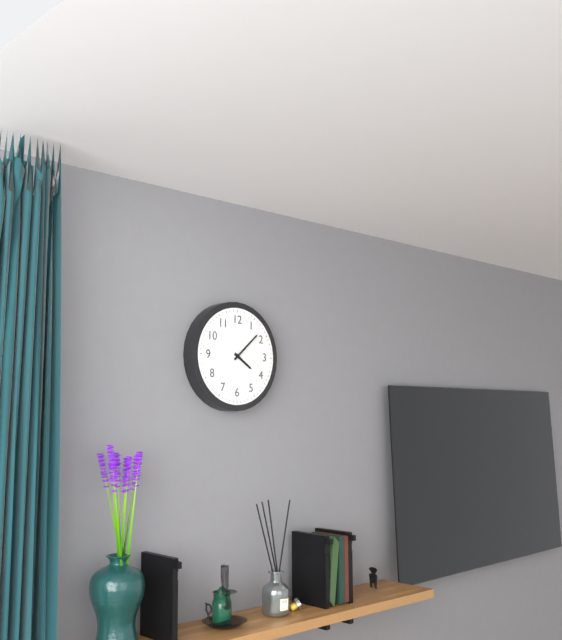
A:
**4:08**
